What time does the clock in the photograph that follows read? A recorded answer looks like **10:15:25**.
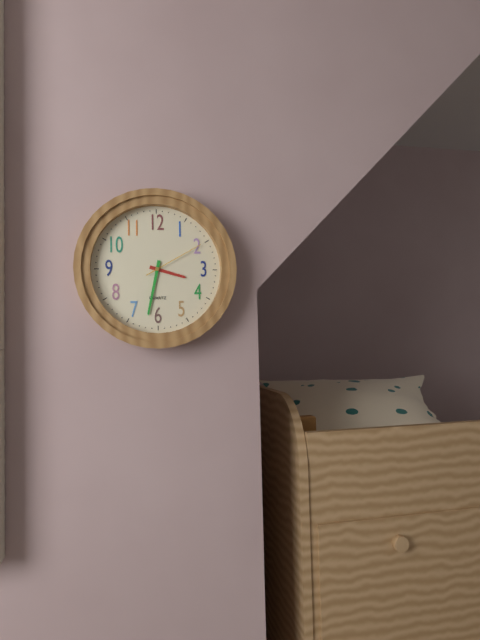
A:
**3:32:10**
